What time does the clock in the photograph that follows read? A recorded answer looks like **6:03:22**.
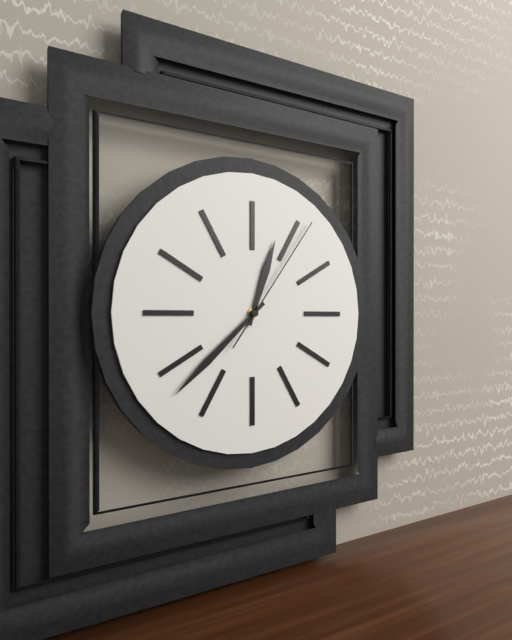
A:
**12:38:06**
